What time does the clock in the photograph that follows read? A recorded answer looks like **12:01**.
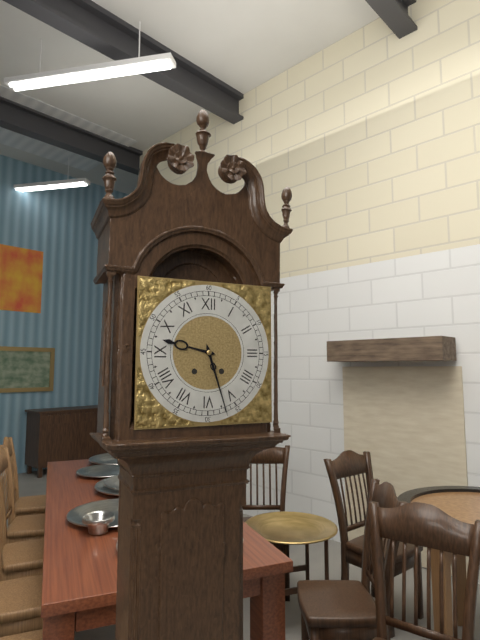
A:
**9:27**
